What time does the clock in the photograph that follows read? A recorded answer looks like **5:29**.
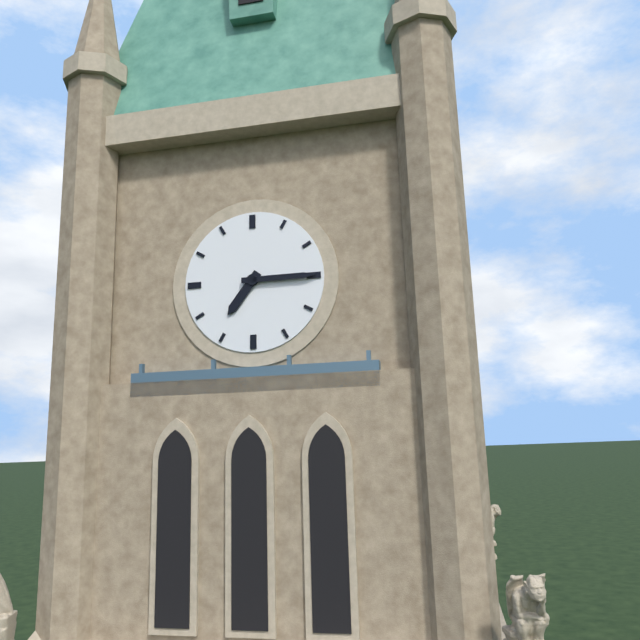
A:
**7:15**
